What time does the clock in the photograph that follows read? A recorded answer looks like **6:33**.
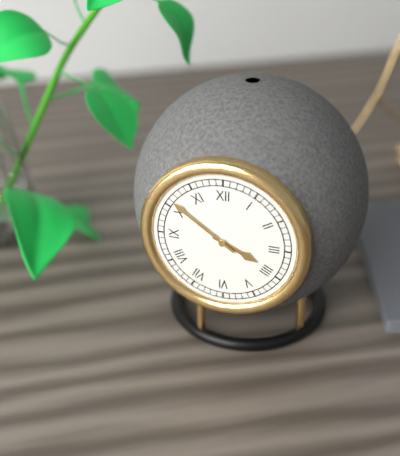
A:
**3:51**
